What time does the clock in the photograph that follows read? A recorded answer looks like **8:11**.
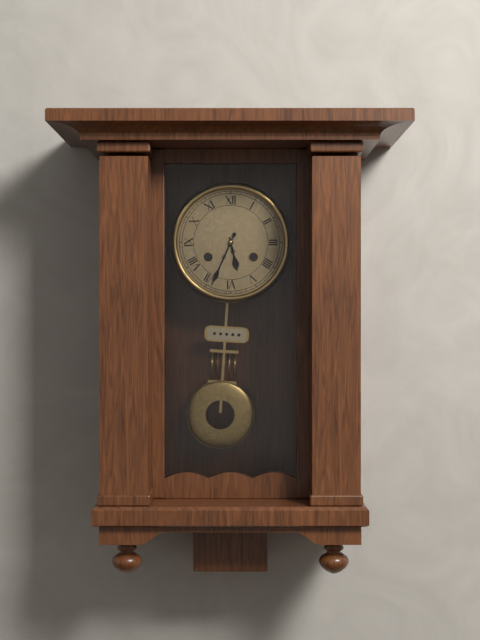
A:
**5:34**
